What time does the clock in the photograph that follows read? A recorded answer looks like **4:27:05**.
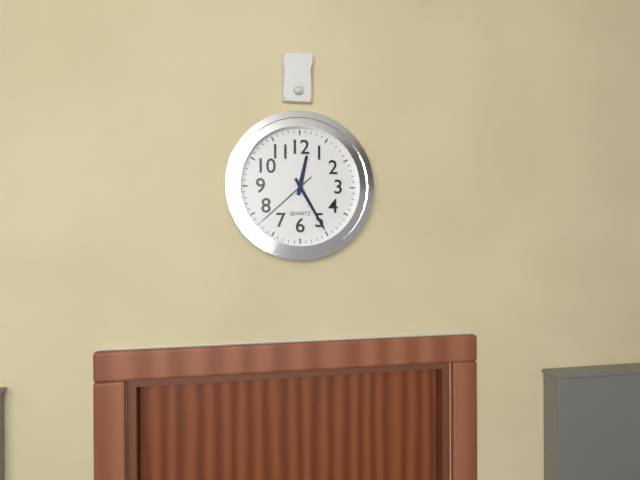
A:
**12:25:38**
